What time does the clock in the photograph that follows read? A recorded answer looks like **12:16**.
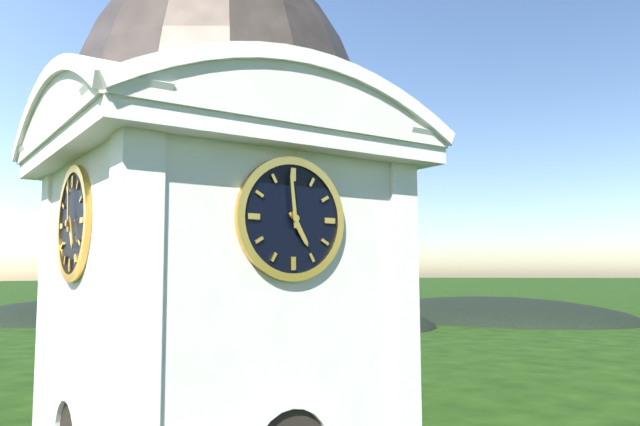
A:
**4:59**
